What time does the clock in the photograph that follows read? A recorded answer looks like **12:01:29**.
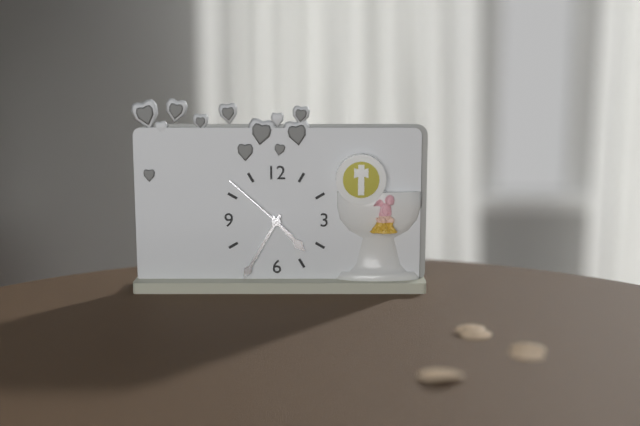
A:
**4:35:52**
